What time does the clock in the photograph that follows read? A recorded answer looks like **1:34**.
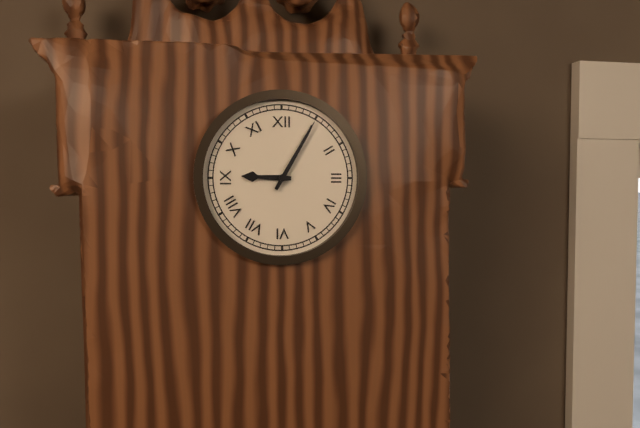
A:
**9:05**
